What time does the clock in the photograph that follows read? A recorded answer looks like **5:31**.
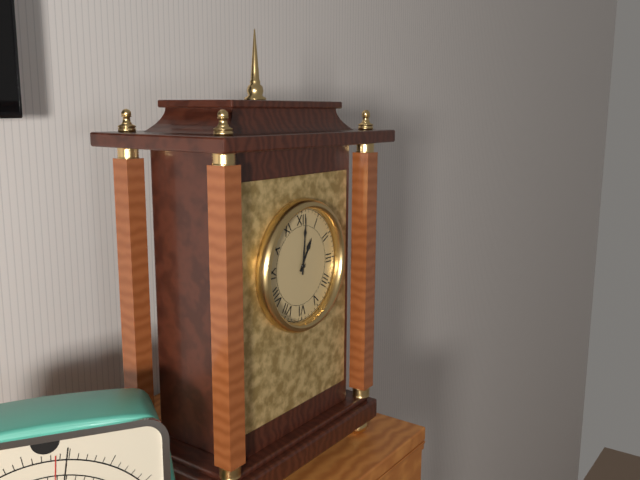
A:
**1:01**
